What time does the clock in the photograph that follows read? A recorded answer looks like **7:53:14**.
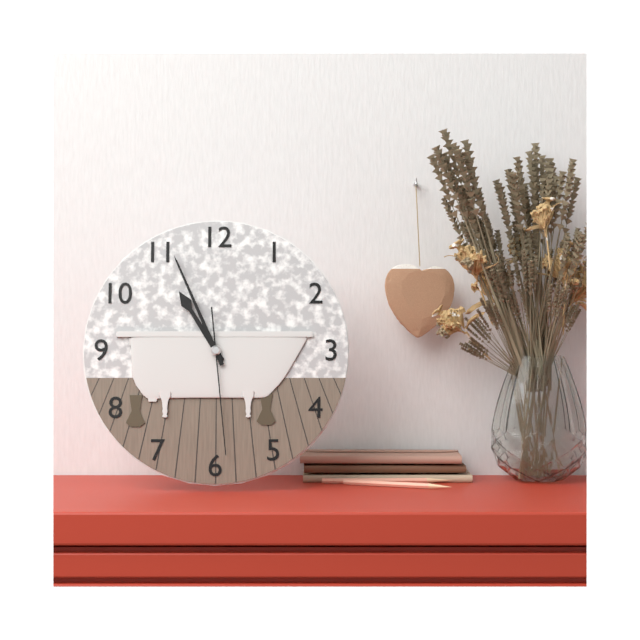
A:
**10:56:29**
